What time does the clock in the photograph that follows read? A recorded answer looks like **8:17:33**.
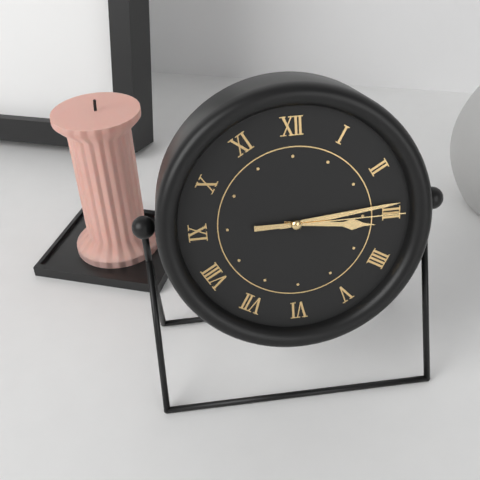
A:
**3:14:15**
